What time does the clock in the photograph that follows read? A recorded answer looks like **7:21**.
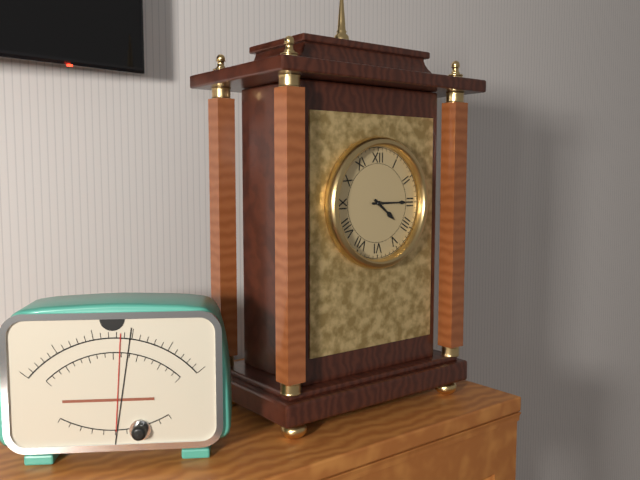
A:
**4:15**
